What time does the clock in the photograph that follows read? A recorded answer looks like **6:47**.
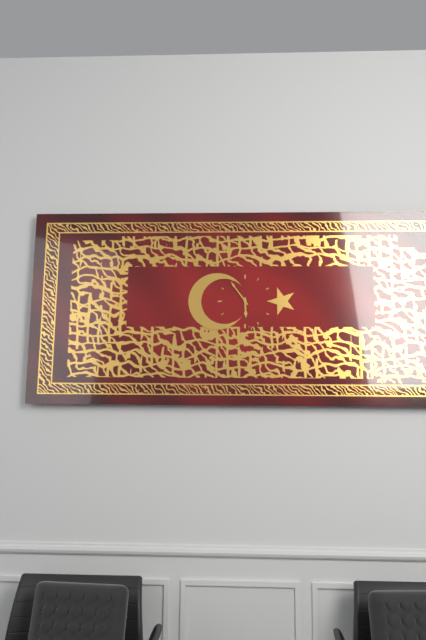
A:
**5:54**
